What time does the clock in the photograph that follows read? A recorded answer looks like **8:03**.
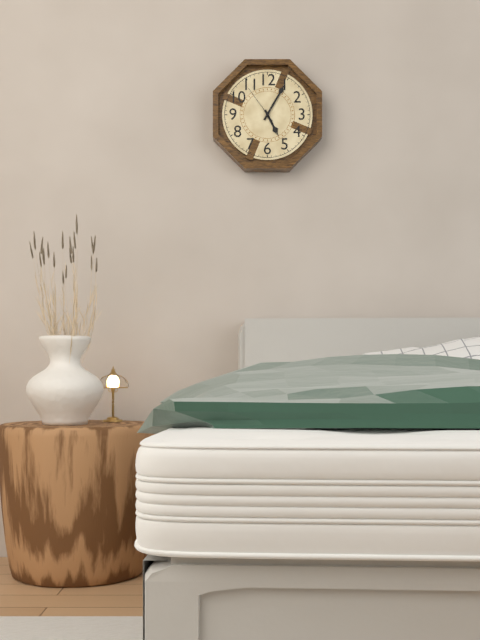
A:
**5:05**
